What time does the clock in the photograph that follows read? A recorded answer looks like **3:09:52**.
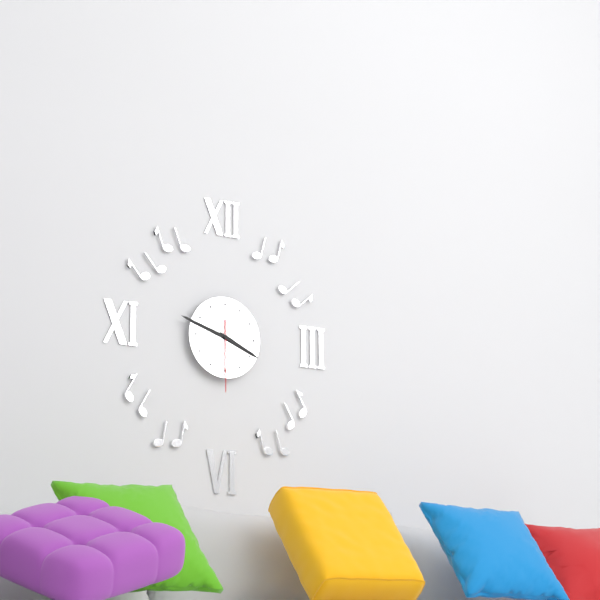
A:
**3:48:30**
